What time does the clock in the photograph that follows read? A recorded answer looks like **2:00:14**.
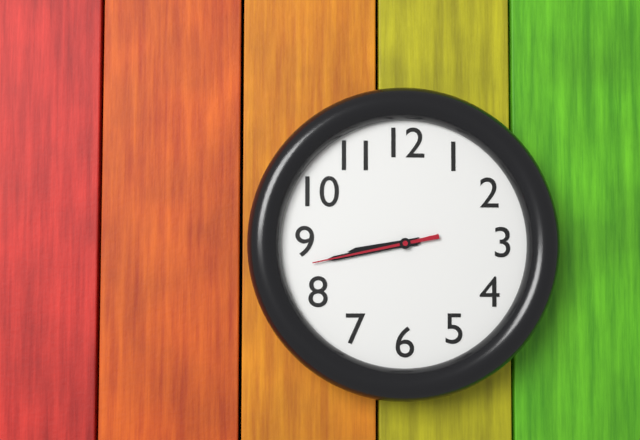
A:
**8:43:43**
